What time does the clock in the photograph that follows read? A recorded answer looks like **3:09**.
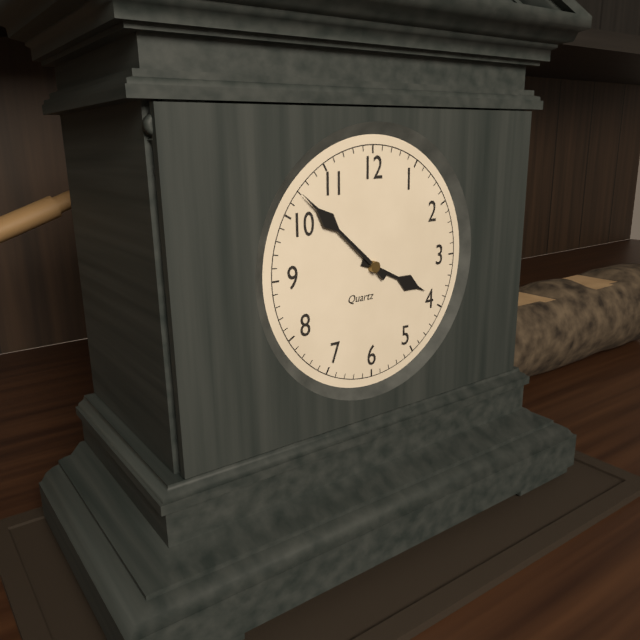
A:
**3:52**
